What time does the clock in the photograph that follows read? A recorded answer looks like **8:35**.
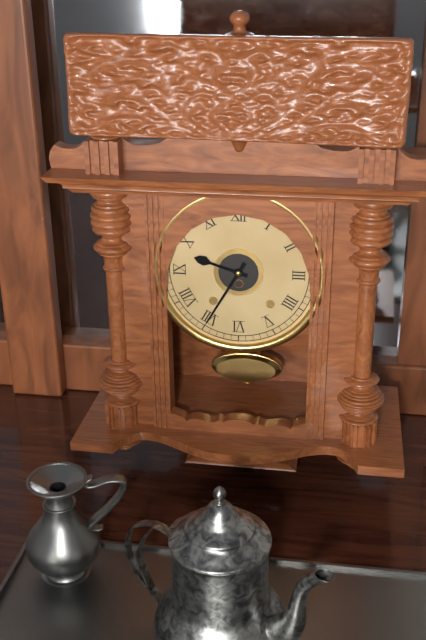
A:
**9:35**
